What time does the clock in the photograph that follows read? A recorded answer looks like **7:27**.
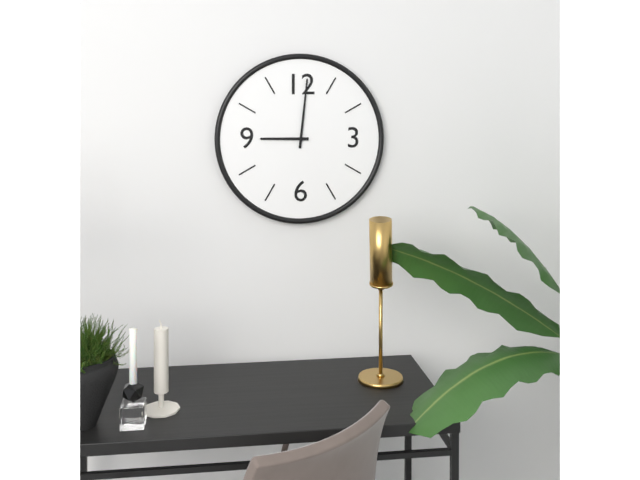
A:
**9:01**
